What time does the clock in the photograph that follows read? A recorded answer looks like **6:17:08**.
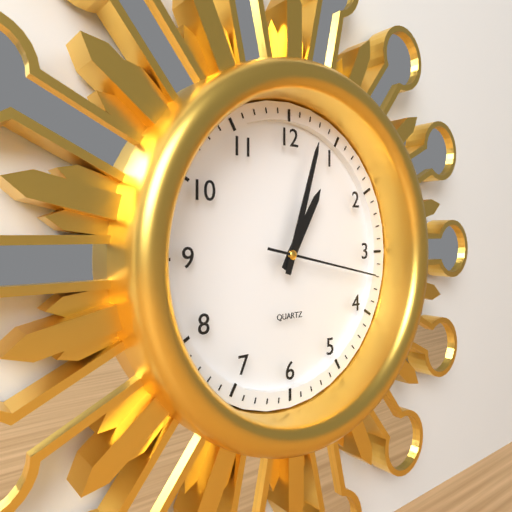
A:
**1:03:17**
